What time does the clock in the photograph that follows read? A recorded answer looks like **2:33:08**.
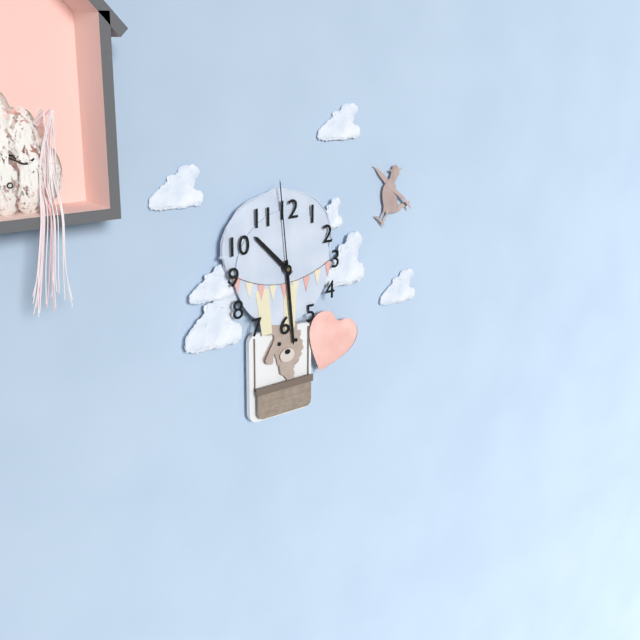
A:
**10:29:59**
